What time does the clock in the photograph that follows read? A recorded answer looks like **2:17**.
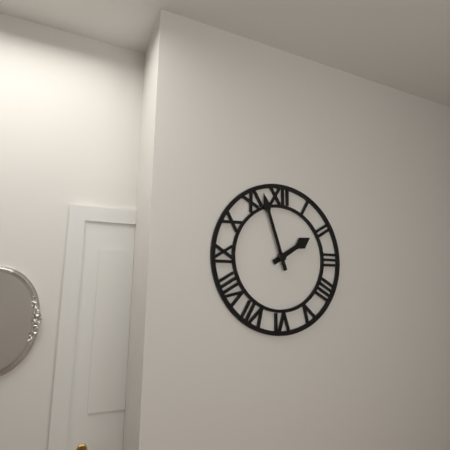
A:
**1:57**
